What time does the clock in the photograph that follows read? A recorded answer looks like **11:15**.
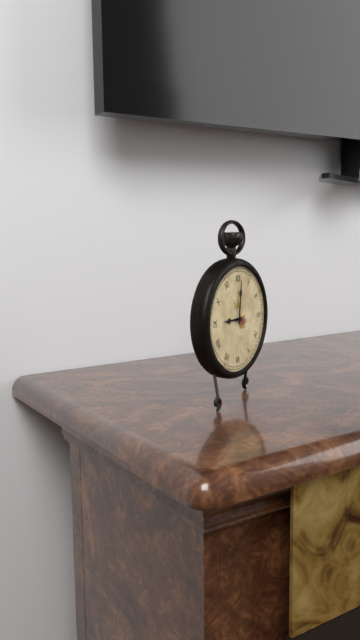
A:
**9:01**
